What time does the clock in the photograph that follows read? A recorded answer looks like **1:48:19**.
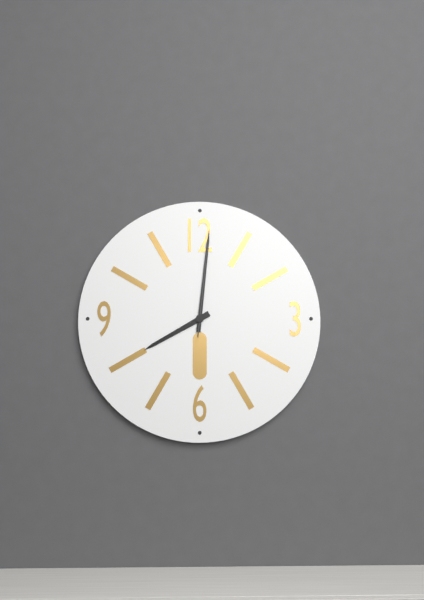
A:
**8:01:01**
